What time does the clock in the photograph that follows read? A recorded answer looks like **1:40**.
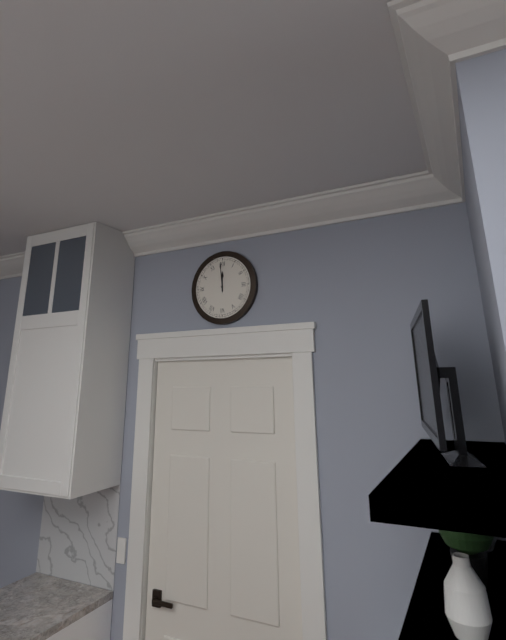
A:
**11:59**
